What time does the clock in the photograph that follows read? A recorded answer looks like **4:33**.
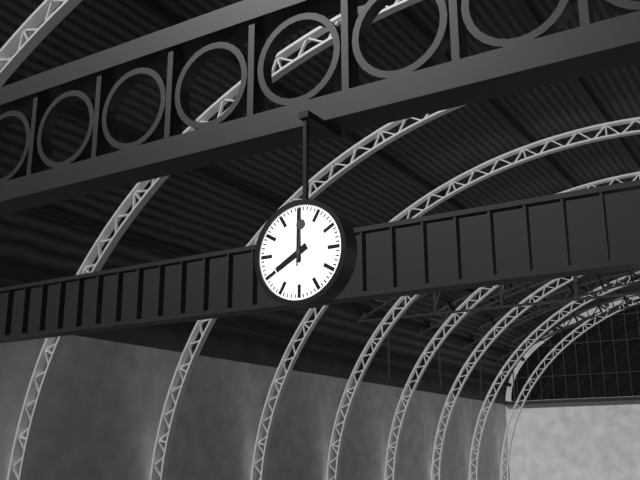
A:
**8:00**
